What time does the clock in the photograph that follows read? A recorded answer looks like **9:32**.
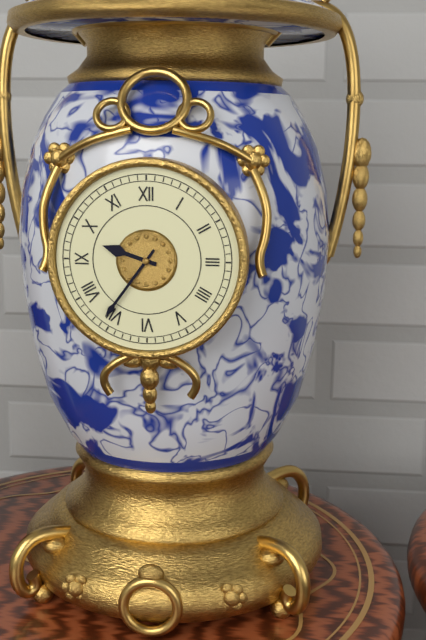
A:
**9:36**
